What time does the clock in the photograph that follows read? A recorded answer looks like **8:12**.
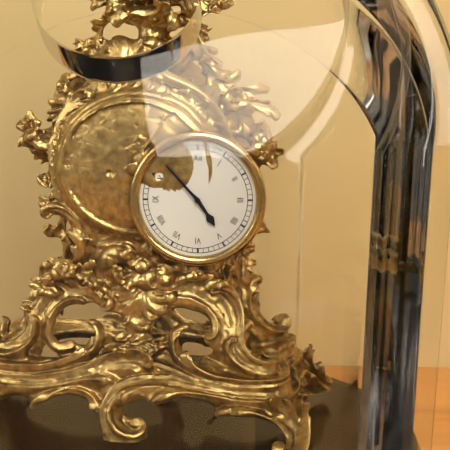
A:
**4:53**
